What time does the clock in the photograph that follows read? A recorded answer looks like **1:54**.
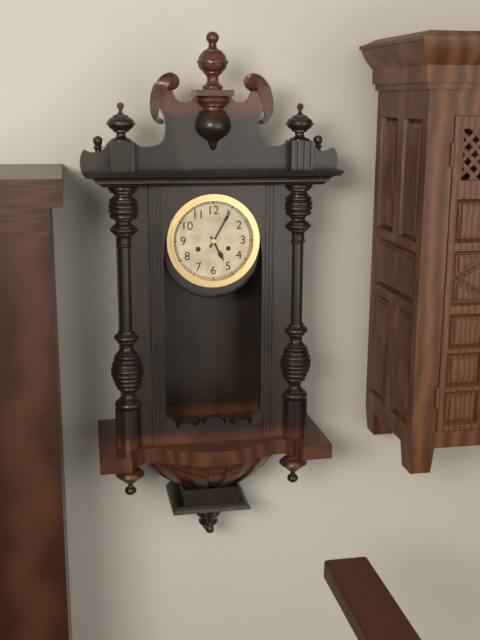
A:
**5:05**
